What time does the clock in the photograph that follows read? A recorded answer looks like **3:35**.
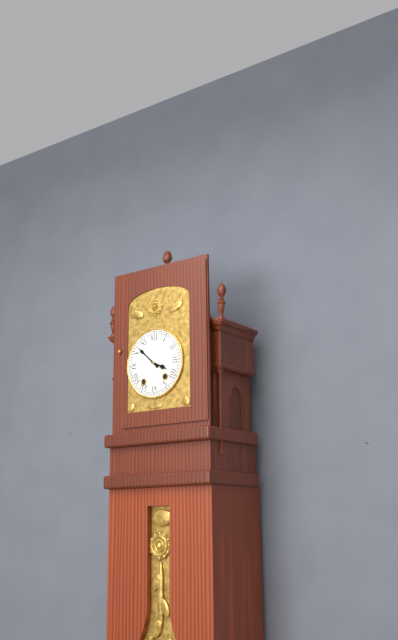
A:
**3:52**
